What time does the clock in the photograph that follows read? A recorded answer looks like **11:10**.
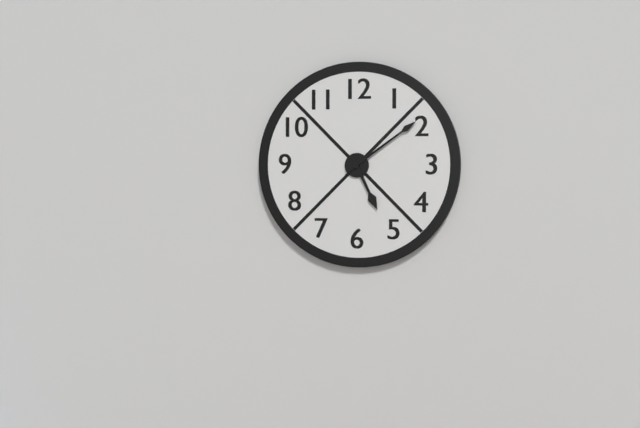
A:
**5:09**
